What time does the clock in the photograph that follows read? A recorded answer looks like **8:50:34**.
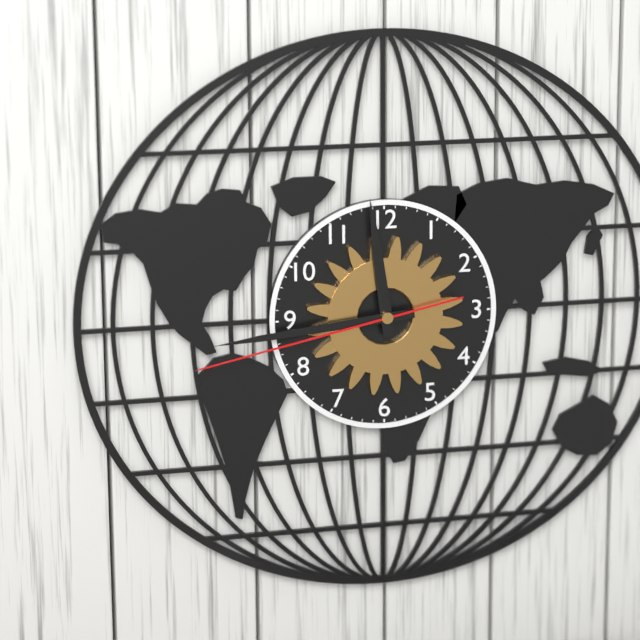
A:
**11:44:43**
